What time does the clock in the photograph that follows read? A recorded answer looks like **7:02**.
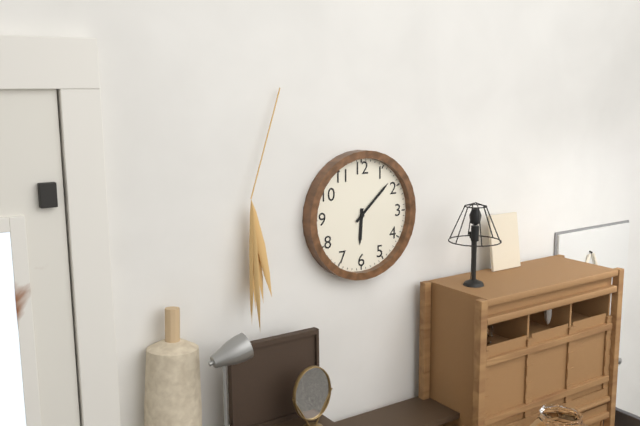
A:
**6:08**
